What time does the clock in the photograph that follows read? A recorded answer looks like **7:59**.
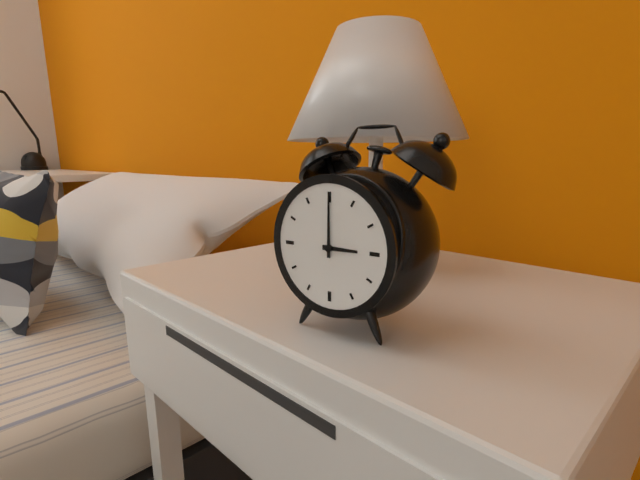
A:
**3:00**
